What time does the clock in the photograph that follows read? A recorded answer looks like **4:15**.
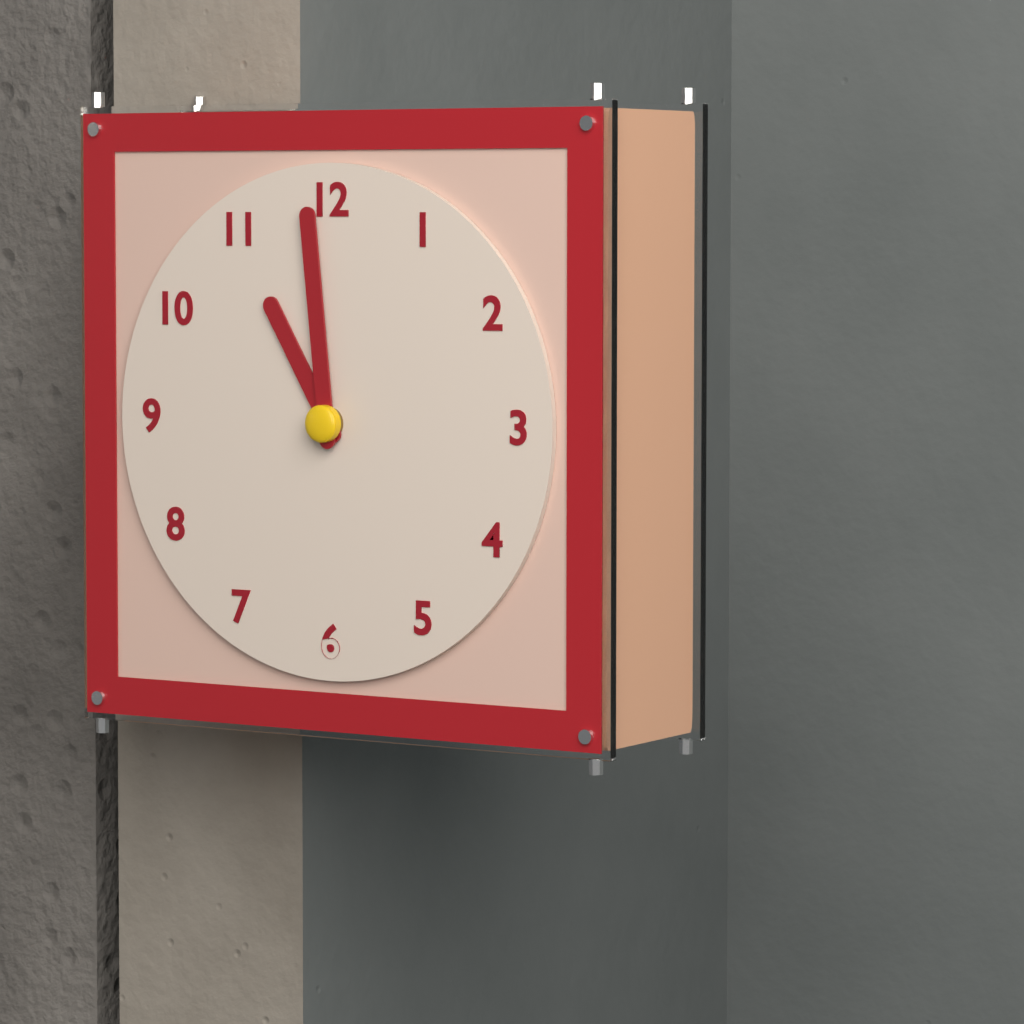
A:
**10:59**
